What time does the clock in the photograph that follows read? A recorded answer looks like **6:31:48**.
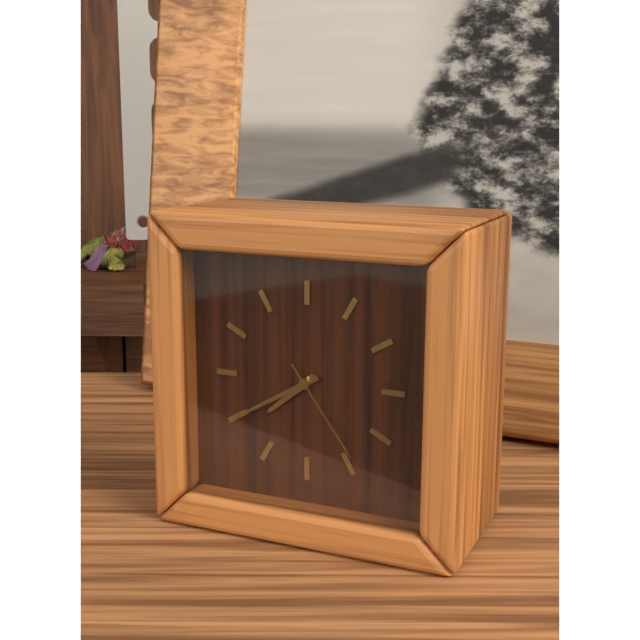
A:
**7:40:24**
